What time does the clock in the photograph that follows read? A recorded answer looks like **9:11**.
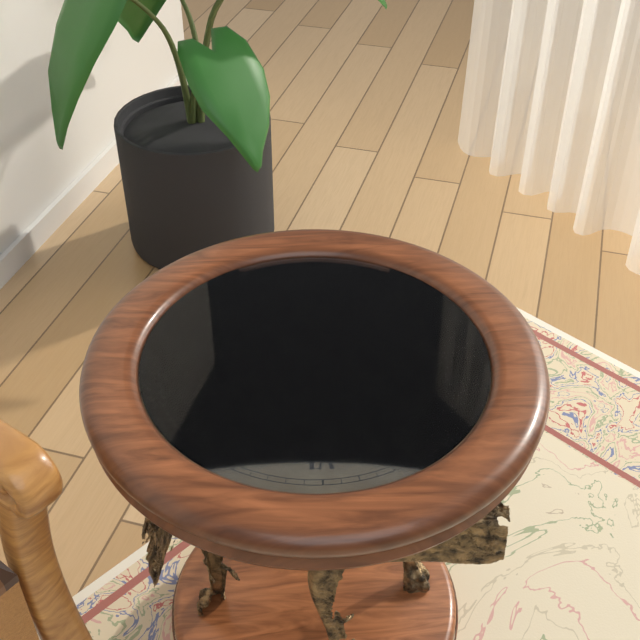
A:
**1:17**
